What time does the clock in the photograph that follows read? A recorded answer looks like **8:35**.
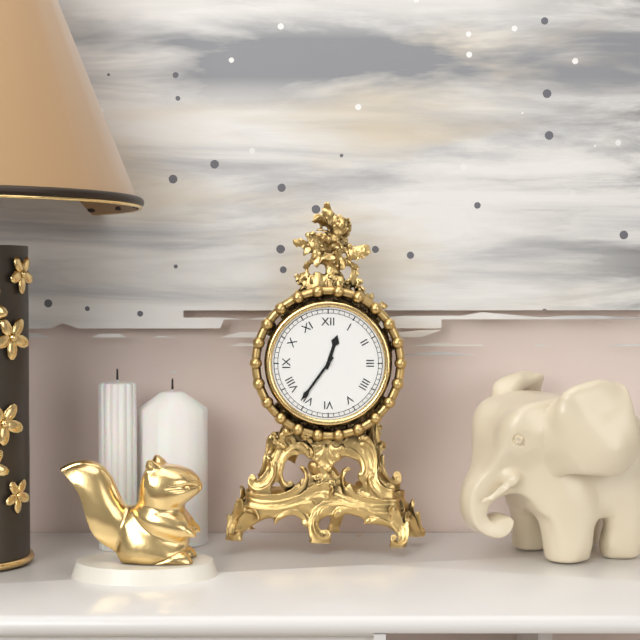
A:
**12:36**
